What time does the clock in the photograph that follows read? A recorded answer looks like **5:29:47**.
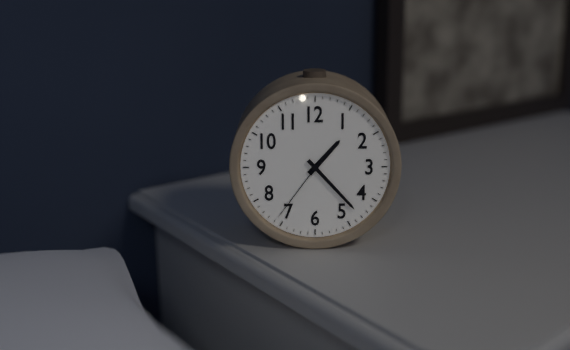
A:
**1:23:36**
